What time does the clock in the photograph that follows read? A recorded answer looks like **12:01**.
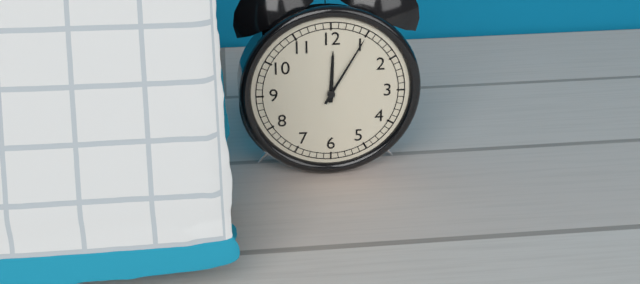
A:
**12:05**
